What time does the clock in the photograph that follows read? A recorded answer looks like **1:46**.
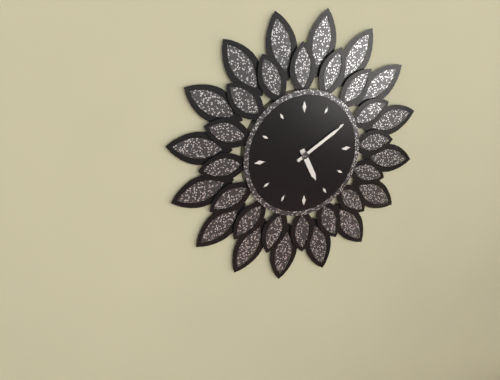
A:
**5:10**
